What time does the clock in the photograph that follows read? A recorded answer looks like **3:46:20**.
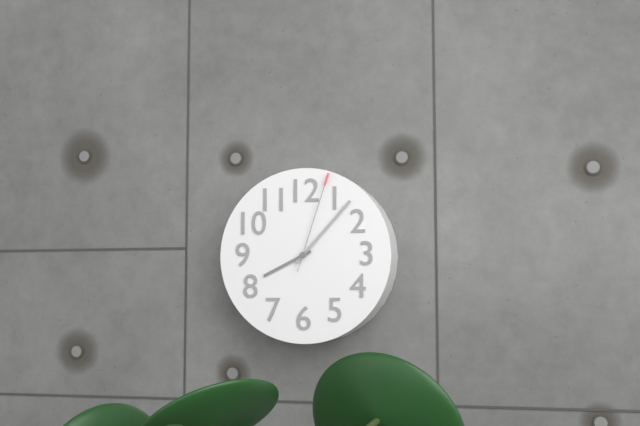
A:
**8:07:03**
